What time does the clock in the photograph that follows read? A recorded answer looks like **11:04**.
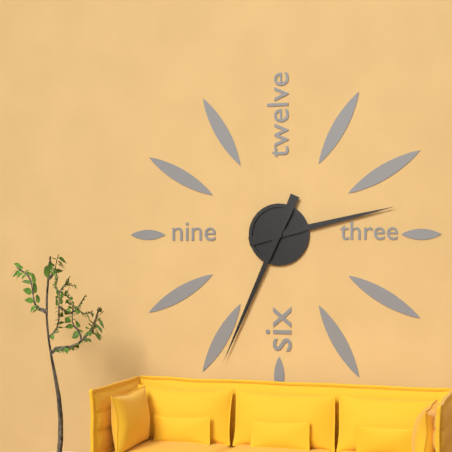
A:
**2:34**
